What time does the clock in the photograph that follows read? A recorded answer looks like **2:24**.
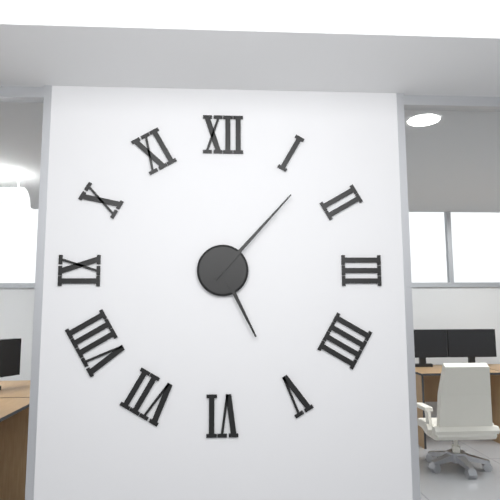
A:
**5:07**
